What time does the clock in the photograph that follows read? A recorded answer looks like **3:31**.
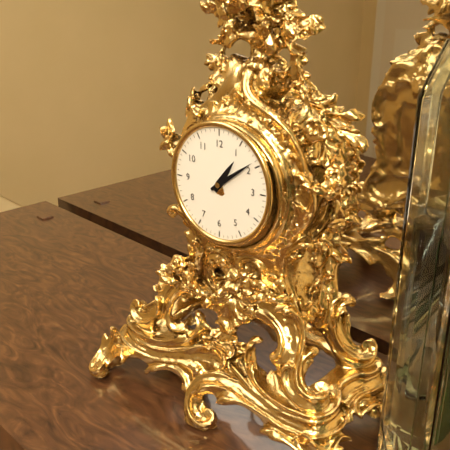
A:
**1:09**
